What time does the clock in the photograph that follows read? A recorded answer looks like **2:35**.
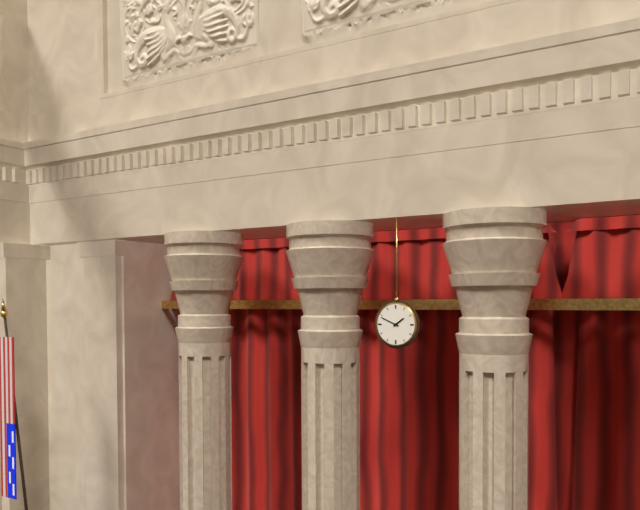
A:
**1:49**
